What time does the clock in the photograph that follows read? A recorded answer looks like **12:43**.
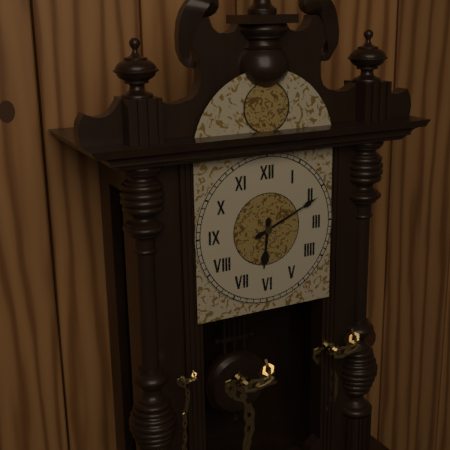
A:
**6:11**
